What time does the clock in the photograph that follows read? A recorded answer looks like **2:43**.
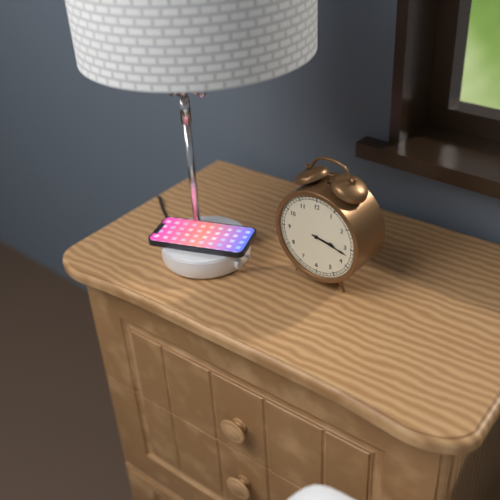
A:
**3:17**
